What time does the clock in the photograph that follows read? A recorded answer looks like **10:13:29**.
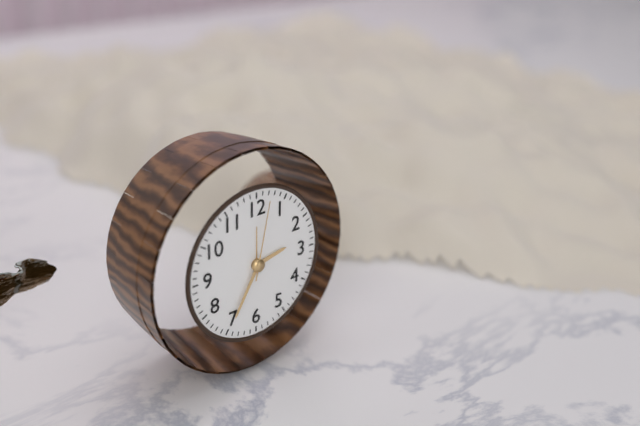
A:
**2:35:02**
